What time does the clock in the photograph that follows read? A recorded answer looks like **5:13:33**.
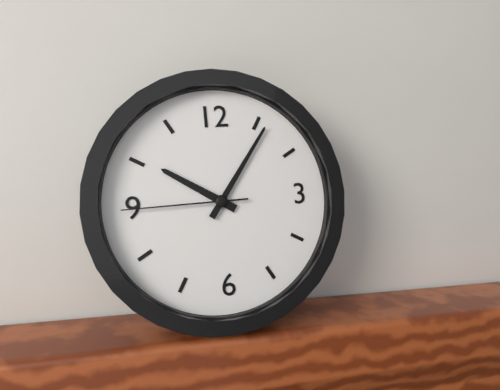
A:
**10:06:45**
